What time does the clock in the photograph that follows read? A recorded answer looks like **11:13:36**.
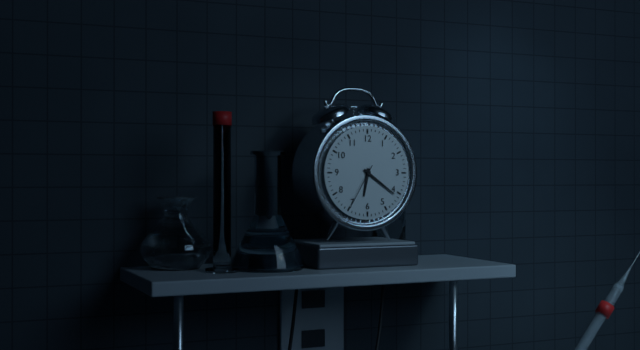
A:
**6:21:35**
